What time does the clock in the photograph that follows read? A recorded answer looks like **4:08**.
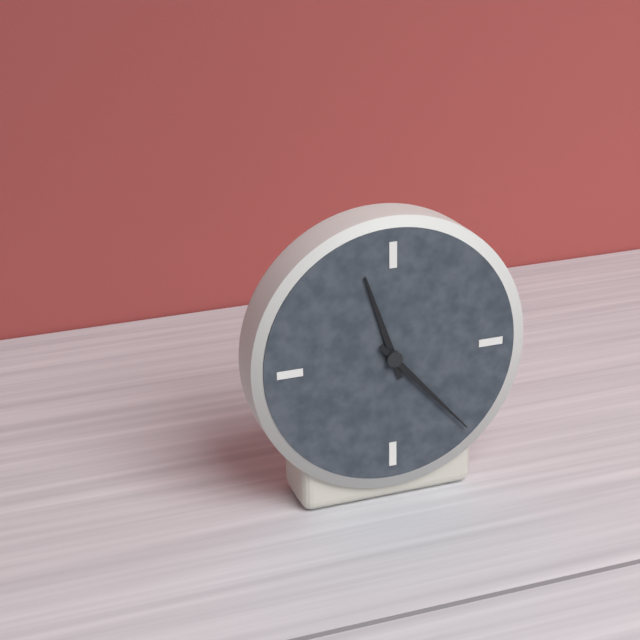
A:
**11:23**
